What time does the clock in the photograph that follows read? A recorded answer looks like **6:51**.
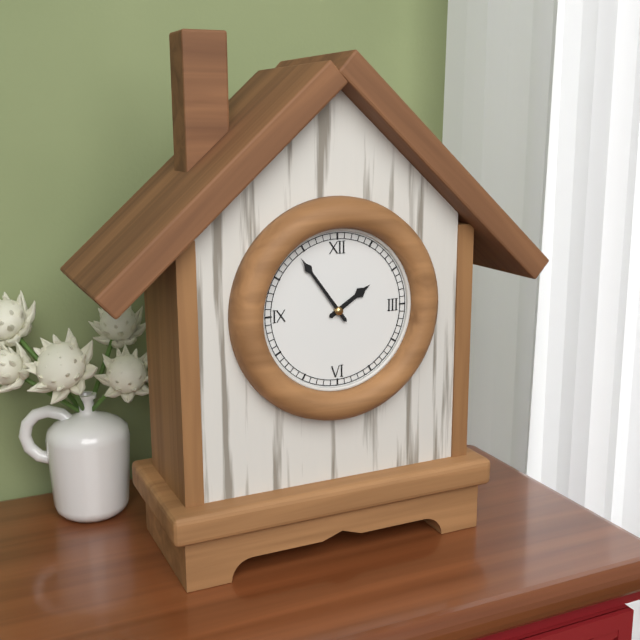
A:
**1:54**
